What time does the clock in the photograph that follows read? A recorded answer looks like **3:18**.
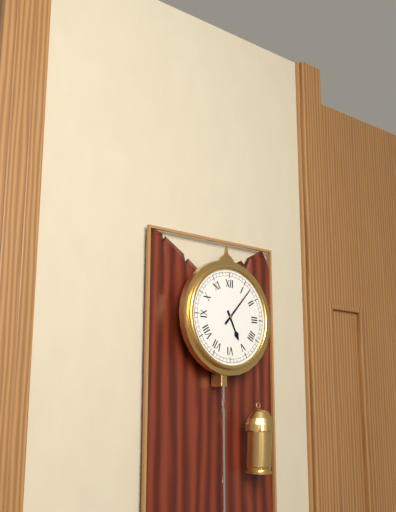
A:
**5:07**
